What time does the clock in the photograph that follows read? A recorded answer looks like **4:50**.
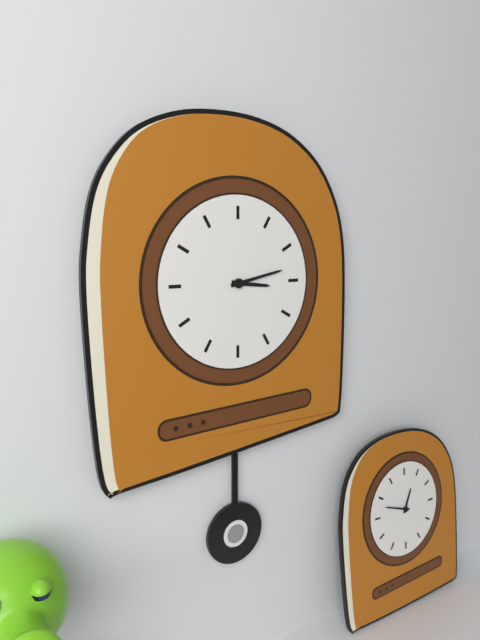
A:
**3:13**
